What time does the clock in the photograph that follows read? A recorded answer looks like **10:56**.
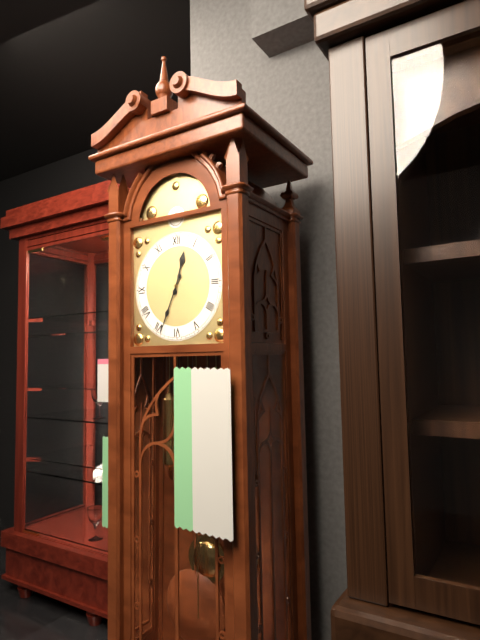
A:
**12:34**
